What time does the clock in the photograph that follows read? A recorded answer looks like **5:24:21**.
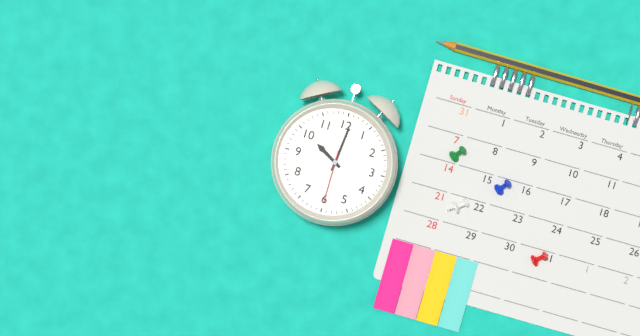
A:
**10:01:30**
